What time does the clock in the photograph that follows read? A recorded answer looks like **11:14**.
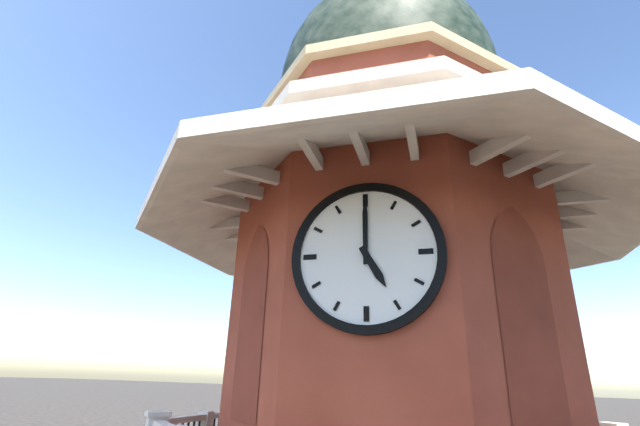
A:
**5:00**
